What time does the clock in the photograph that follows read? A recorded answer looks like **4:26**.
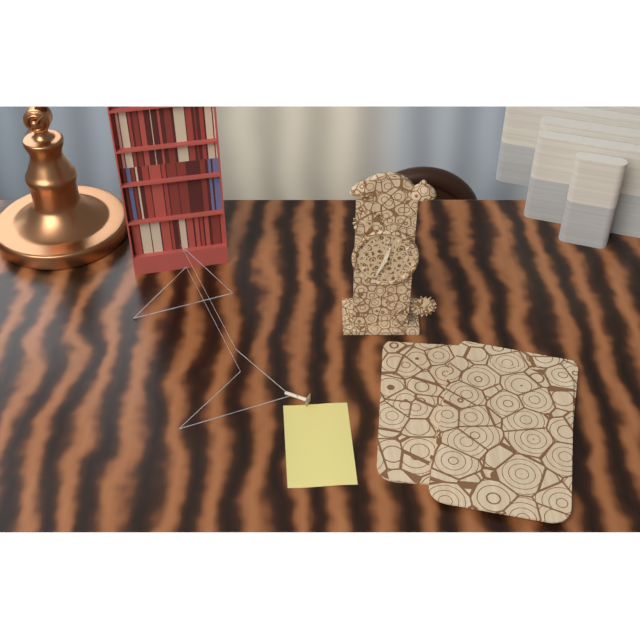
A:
**12:34**
